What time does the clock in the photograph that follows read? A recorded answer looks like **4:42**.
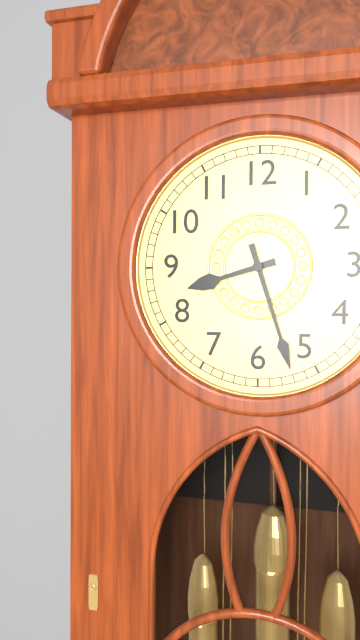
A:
**8:27**
